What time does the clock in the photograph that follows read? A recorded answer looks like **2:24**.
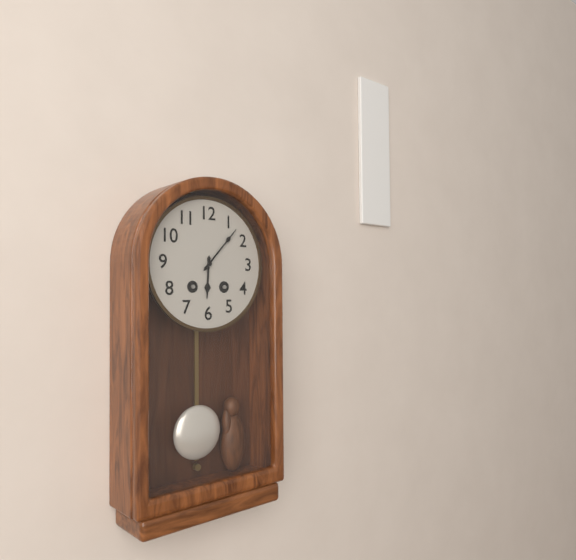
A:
**6:07**
